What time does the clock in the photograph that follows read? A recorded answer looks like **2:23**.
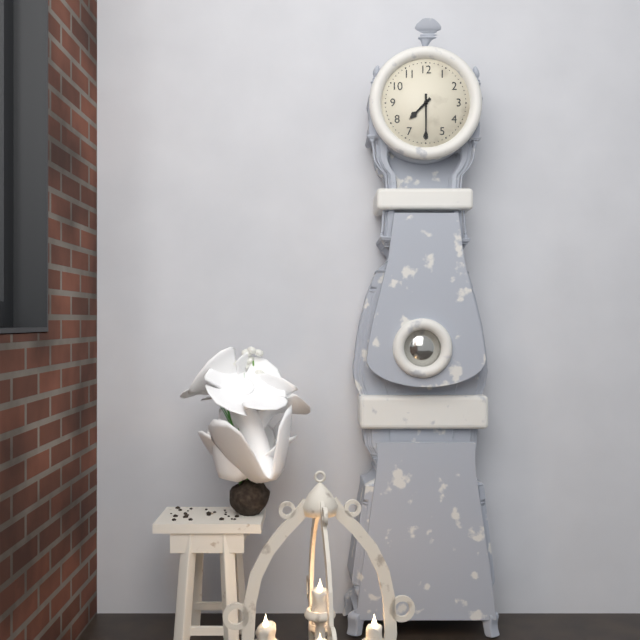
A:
**7:30**
